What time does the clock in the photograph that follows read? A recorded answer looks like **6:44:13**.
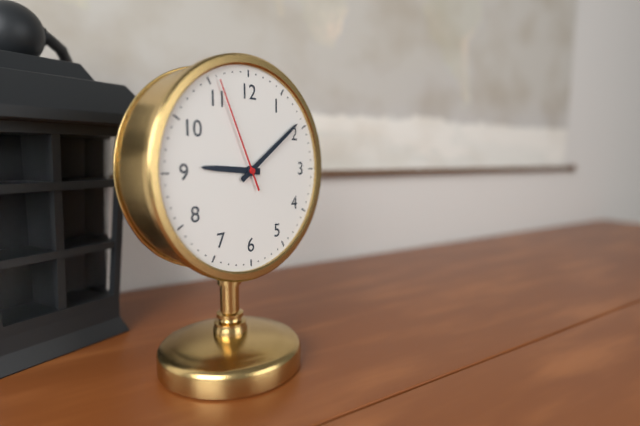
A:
**9:09:56**
